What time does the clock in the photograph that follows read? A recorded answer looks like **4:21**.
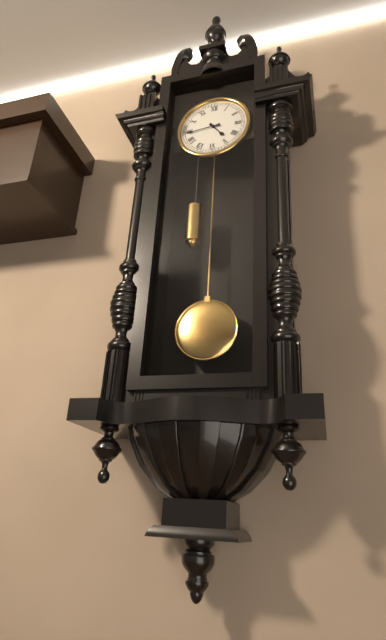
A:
**4:44**
